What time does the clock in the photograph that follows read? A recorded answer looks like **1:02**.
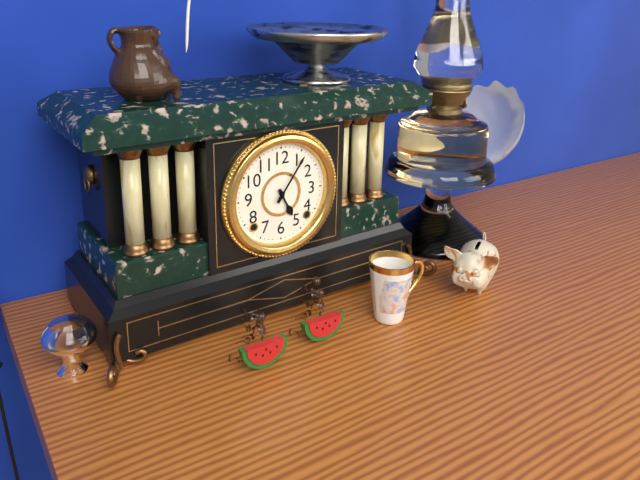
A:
**5:06**
